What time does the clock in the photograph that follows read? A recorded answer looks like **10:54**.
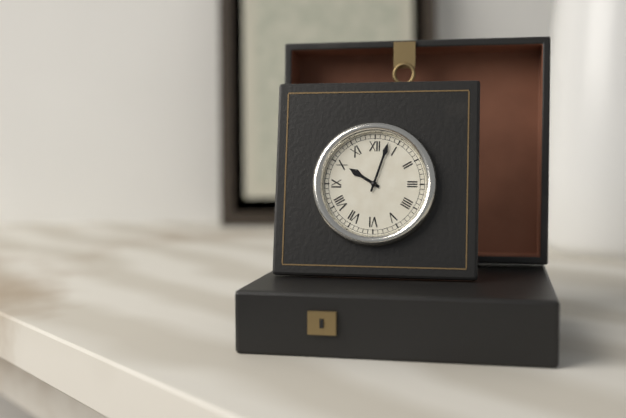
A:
**10:03**
